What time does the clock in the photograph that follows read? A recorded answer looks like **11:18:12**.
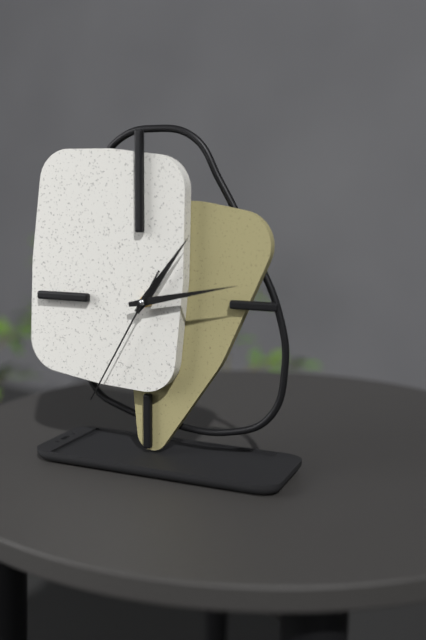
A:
**1:13:35**
